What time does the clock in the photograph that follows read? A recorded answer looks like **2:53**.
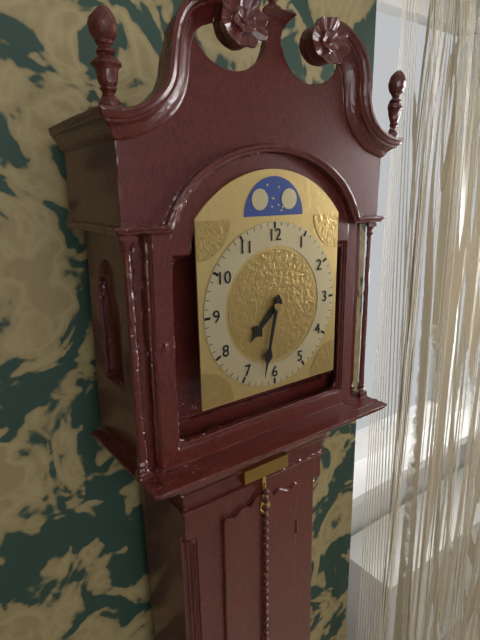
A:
**7:32**
